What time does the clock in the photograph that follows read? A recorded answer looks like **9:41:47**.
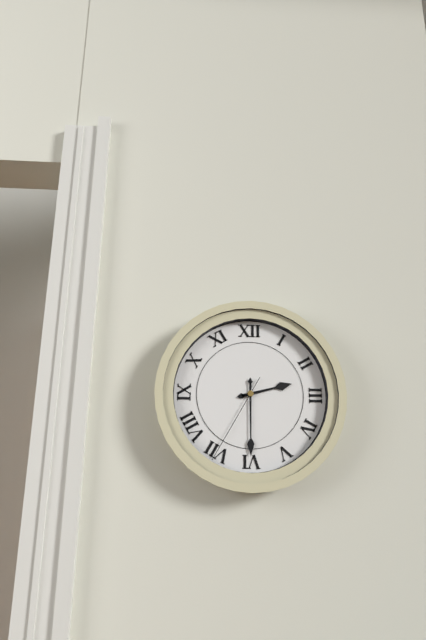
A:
**2:30:35**
